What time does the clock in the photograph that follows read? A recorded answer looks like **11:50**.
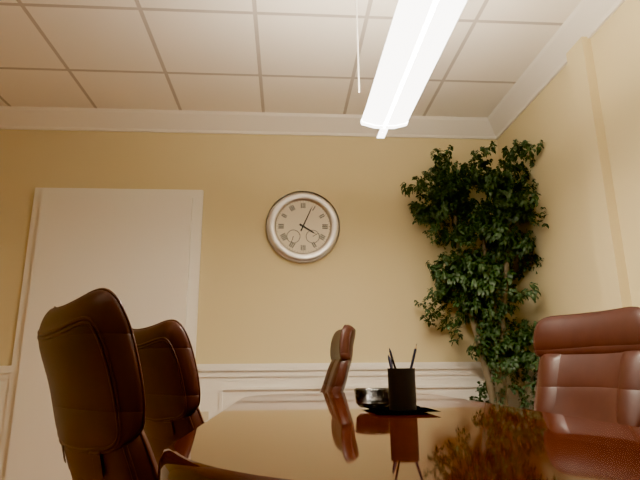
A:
**4:04**
